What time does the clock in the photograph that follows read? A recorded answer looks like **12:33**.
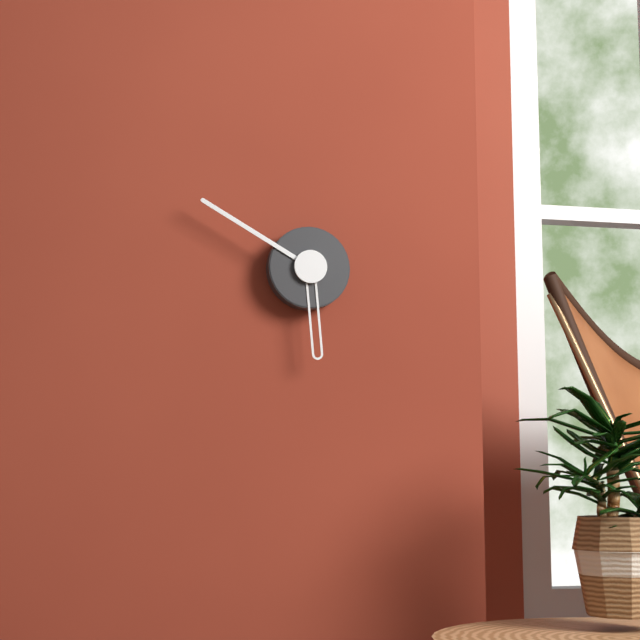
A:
**5:50**
